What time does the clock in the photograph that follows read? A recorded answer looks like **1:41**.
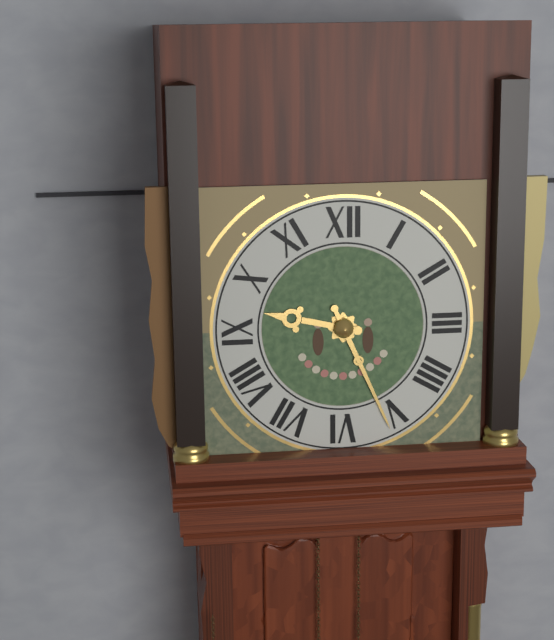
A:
**9:26**
